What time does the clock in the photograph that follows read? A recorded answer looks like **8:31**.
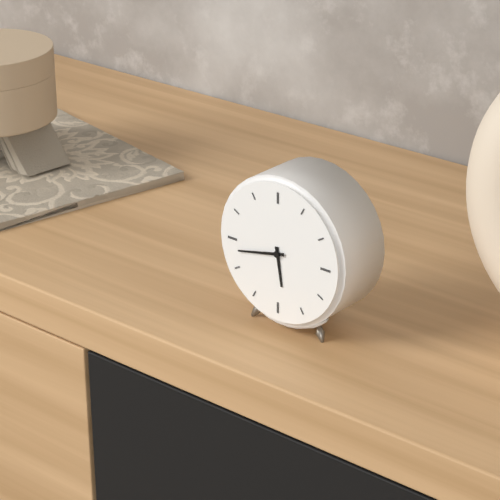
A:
**5:43**
